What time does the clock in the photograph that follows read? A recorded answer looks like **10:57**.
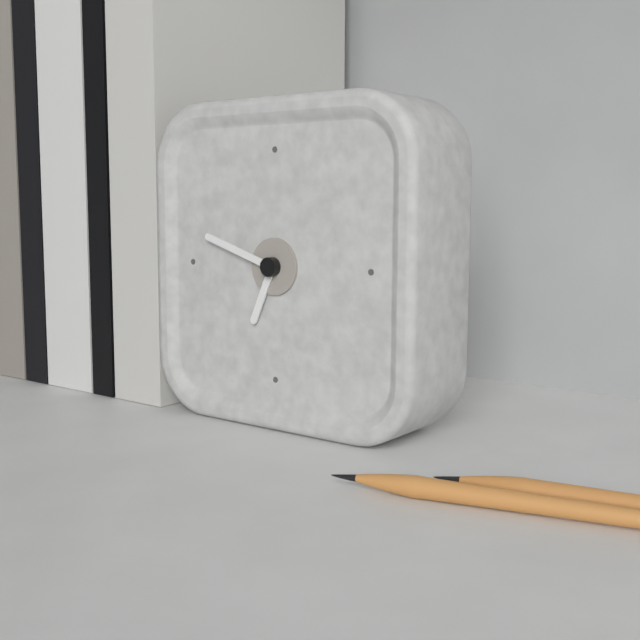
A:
**6:48**
